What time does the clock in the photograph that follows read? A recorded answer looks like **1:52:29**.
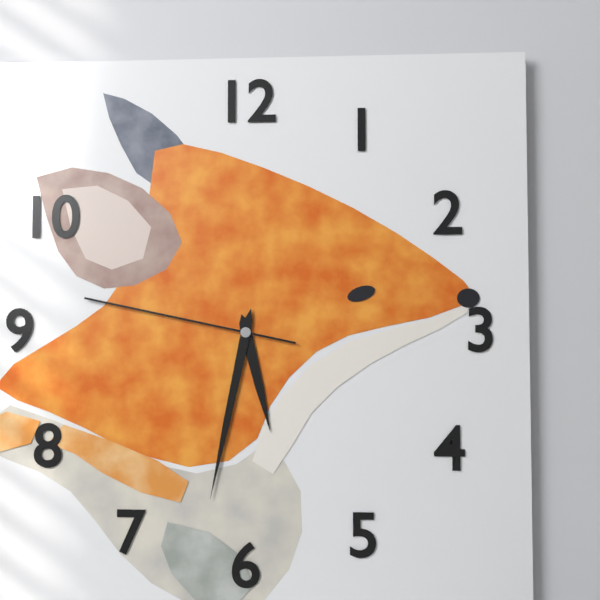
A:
**5:32:47**
